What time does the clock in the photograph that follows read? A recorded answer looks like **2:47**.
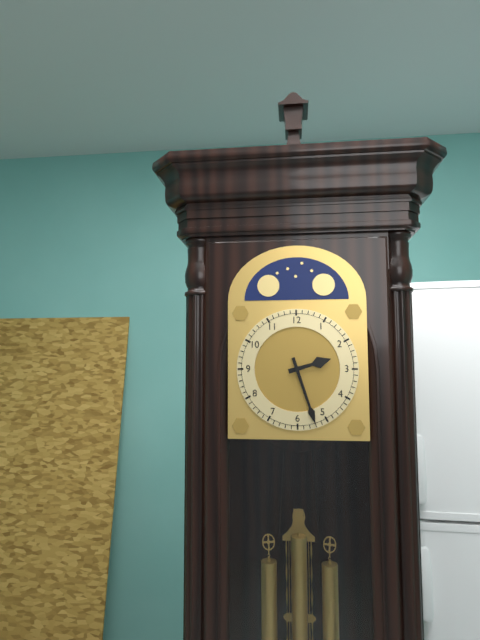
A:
**2:27**
